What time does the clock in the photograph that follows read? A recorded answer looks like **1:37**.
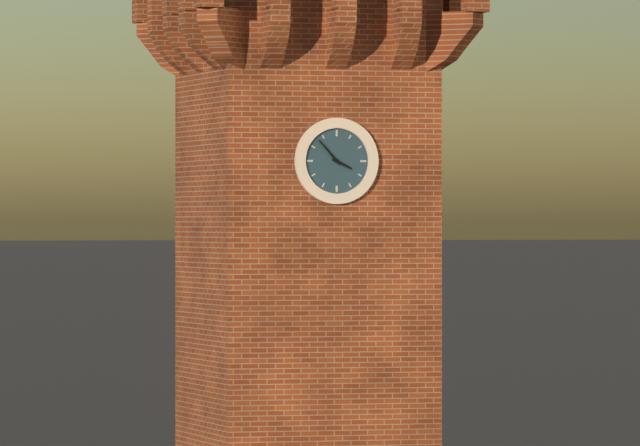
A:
**3:53**
